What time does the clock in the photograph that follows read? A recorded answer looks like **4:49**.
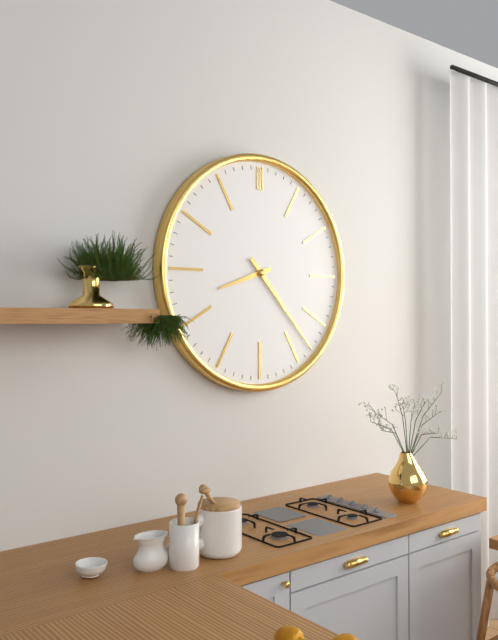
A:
**8:23**
